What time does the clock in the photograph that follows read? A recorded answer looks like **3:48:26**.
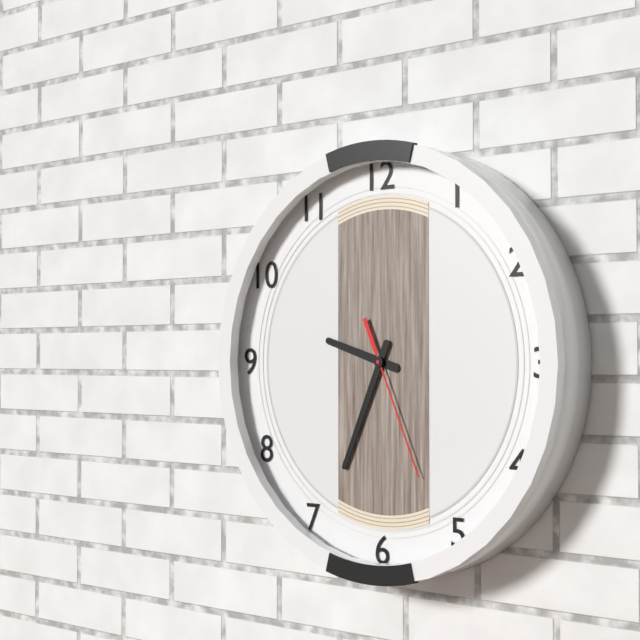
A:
**9:34:26**
